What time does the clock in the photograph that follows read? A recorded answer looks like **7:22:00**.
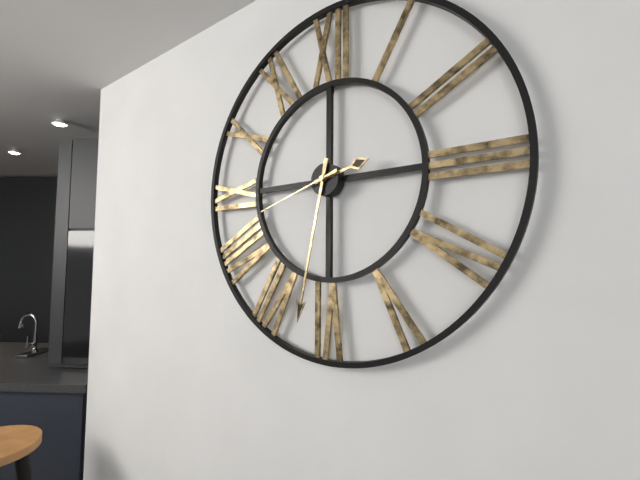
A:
**2:32:42**
